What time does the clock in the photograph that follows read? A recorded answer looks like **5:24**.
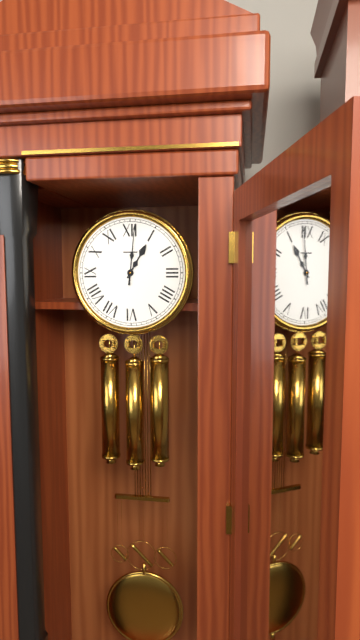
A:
**1:01**
